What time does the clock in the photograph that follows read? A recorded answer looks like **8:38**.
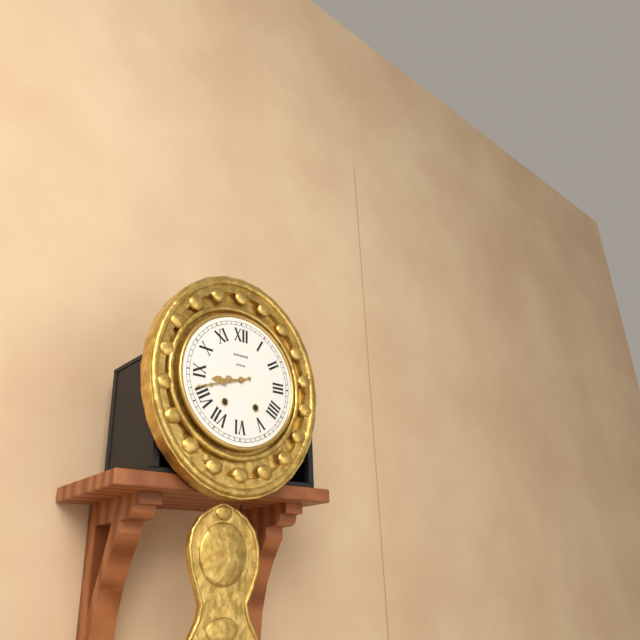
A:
**8:42**
